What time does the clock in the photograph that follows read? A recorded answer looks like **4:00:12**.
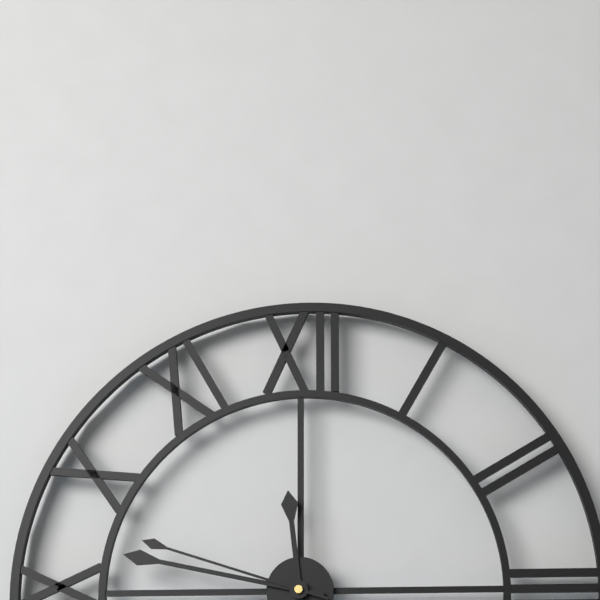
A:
**11:47:48**
